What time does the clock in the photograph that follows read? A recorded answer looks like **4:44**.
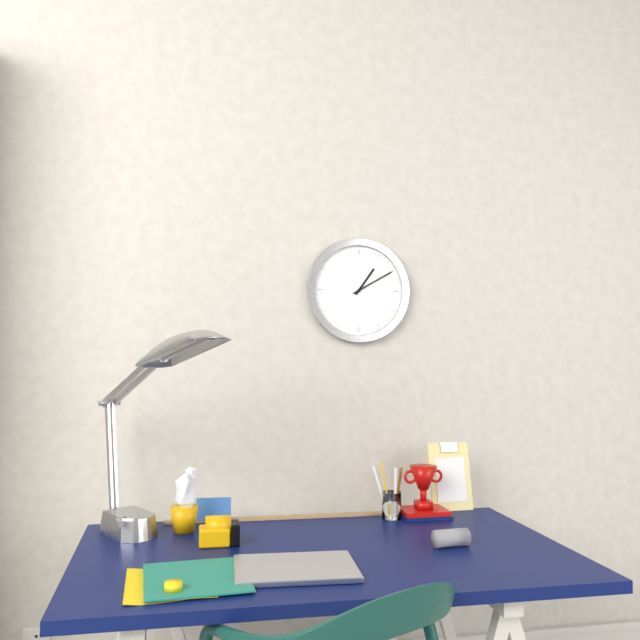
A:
**1:10**
